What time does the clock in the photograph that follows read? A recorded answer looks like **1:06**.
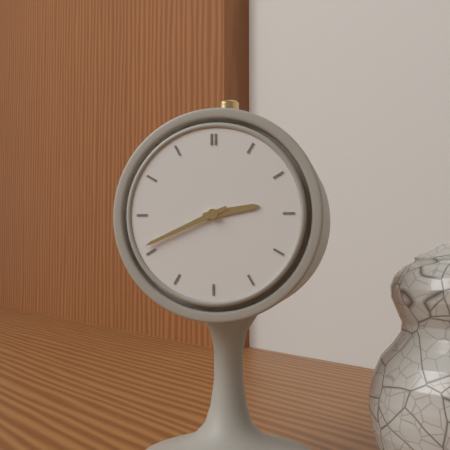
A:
**2:41**
